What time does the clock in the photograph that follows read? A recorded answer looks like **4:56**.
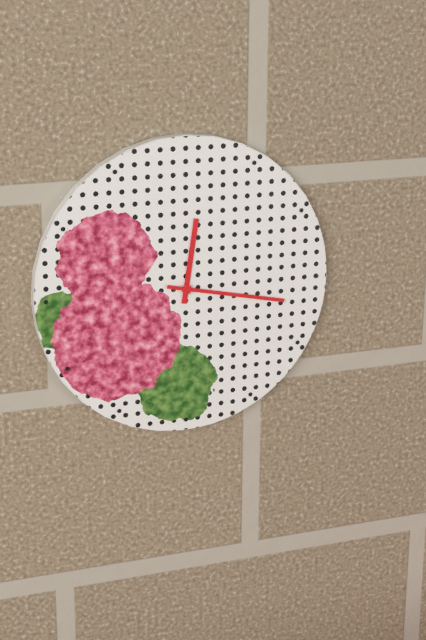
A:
**12:17**
